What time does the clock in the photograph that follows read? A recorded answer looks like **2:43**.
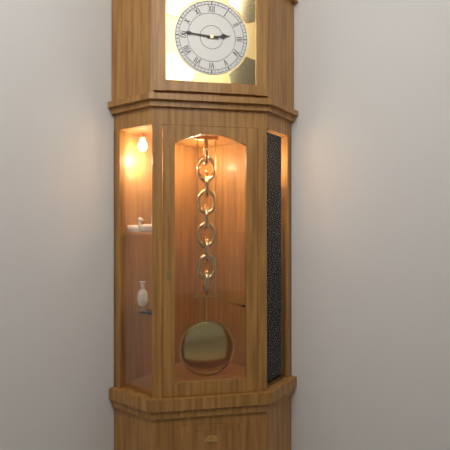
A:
**2:46**
